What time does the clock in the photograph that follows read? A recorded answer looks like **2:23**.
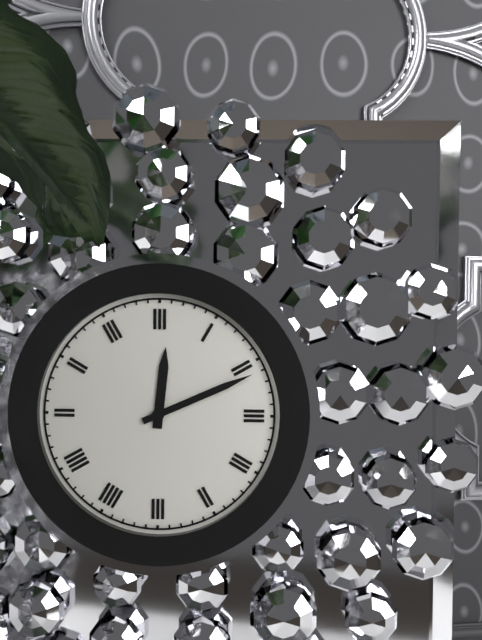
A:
**12:11**
